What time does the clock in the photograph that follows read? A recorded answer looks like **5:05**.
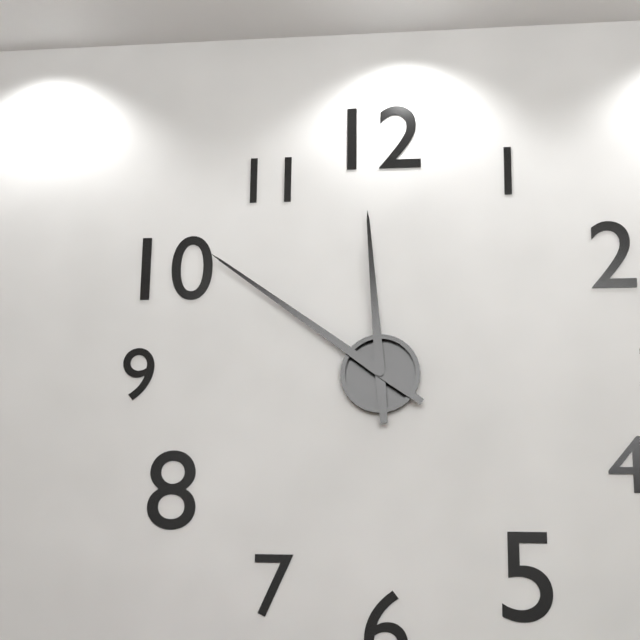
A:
**11:51**
